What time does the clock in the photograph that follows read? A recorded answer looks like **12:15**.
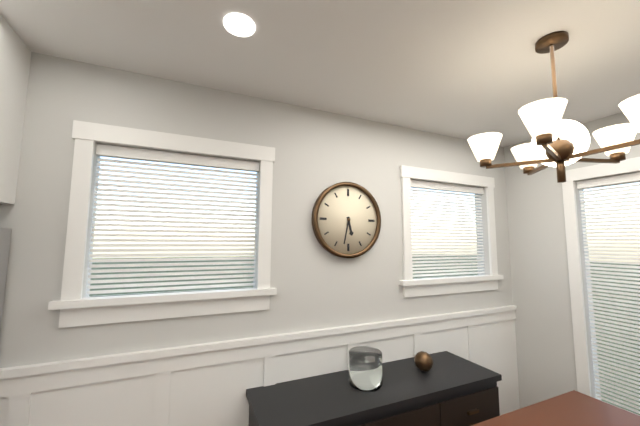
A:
**5:32**
